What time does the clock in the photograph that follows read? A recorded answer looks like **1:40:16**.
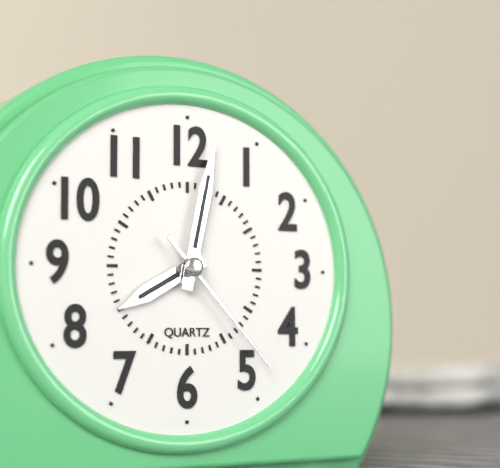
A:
**8:02:23**
